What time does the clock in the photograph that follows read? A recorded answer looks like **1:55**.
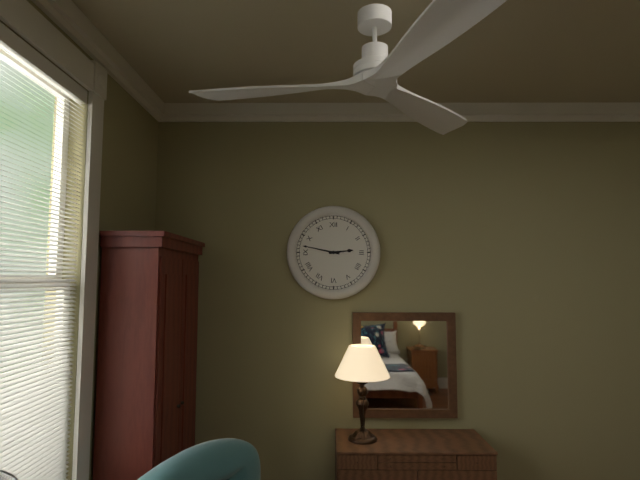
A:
**2:47**
